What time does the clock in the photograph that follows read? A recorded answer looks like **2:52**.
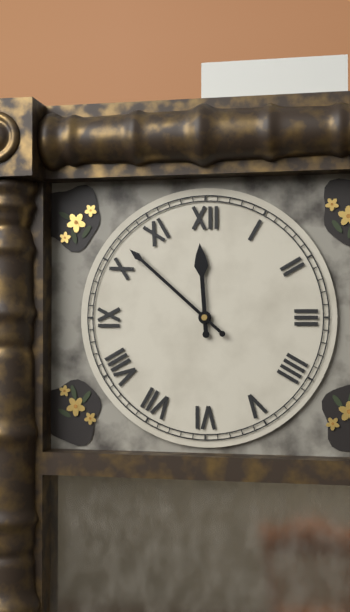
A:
**11:52**
